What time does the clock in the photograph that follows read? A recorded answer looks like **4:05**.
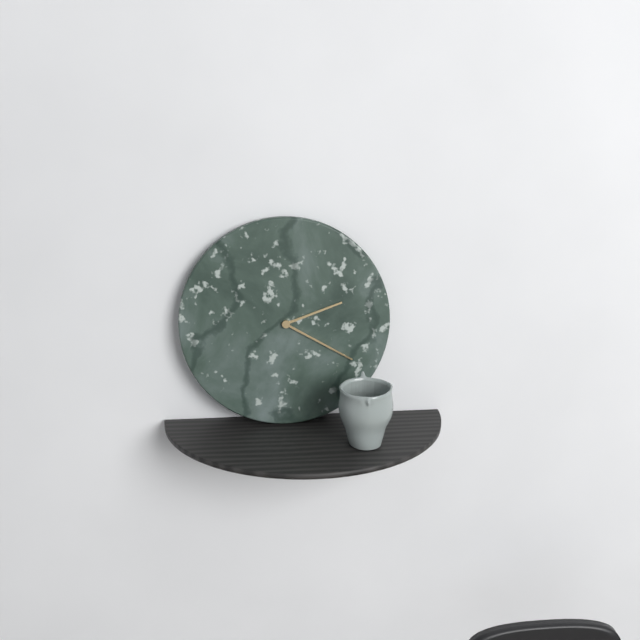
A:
**2:20**
